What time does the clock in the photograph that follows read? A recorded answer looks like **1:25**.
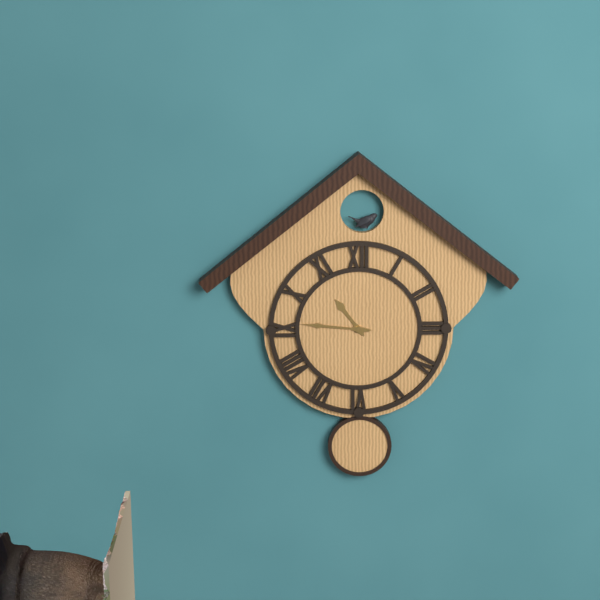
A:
**10:46**
